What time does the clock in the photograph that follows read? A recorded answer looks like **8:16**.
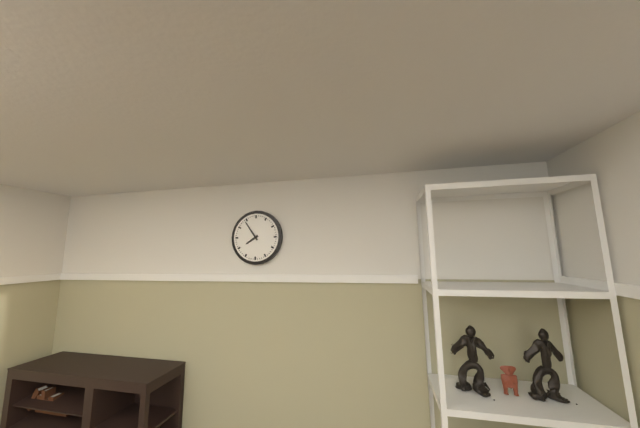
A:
**7:54**
